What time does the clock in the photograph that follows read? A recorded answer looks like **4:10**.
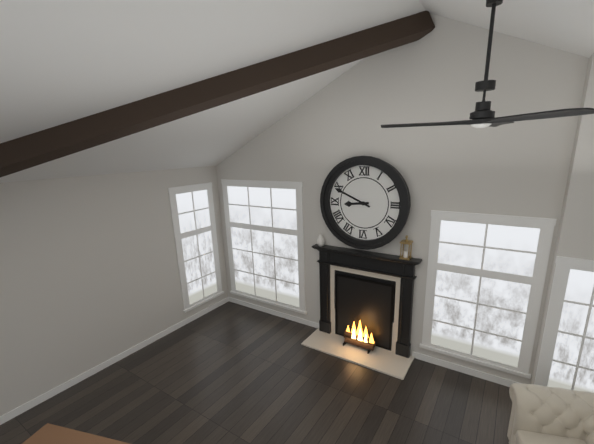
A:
**8:49**
